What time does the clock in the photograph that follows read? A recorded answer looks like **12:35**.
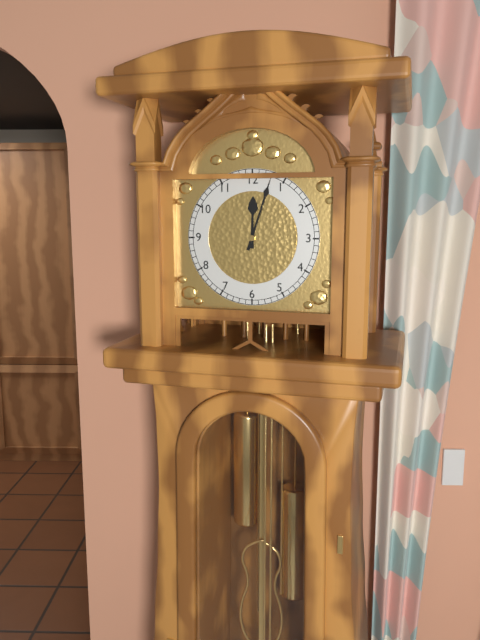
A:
**12:03**
